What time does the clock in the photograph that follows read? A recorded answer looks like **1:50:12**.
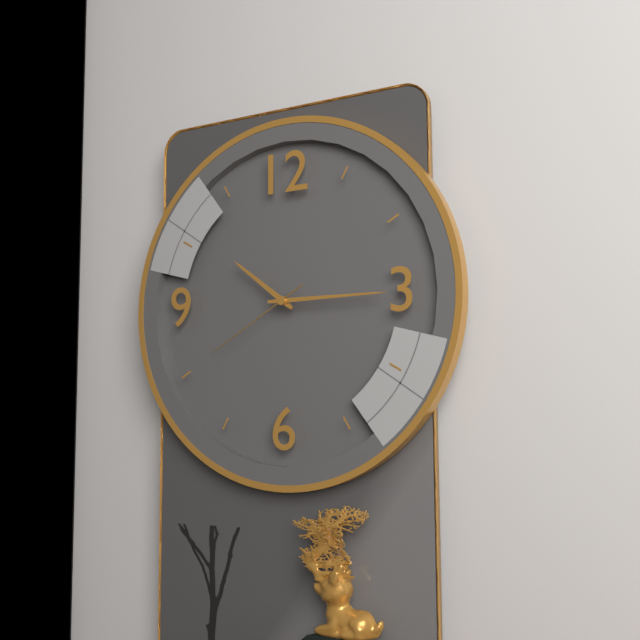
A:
**10:15:40**
